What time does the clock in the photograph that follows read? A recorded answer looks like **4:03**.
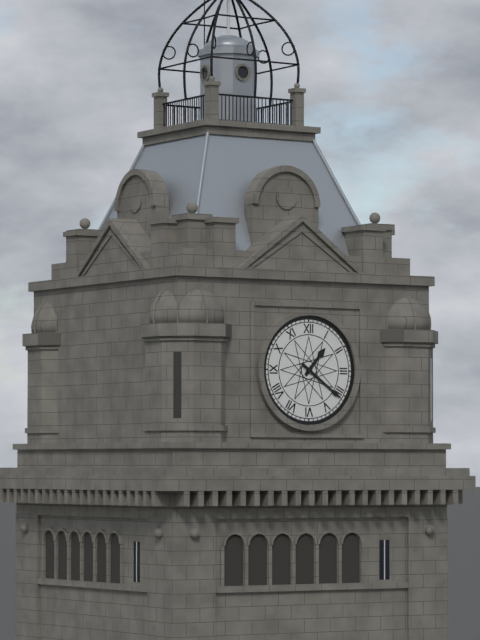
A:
**1:21**
